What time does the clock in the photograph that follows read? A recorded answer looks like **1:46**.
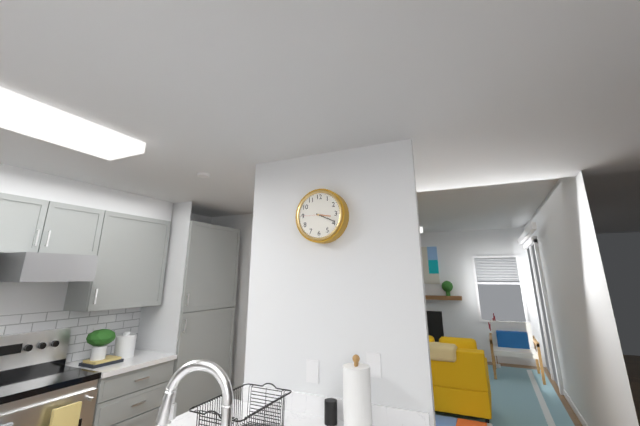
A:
**3:19**
